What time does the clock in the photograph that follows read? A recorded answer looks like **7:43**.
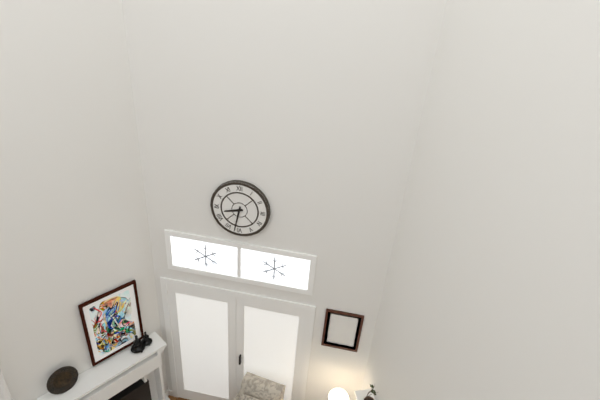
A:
**8:32**
